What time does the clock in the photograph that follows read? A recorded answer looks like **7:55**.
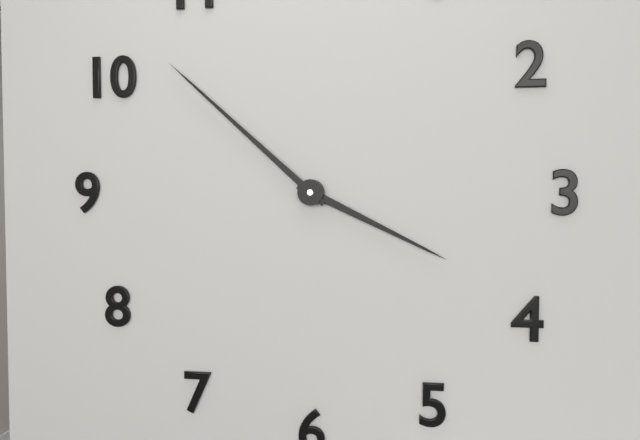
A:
**3:52**
